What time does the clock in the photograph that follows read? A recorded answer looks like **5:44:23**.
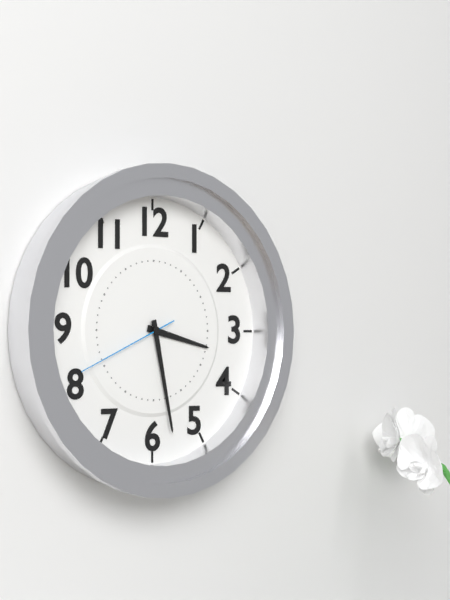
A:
**3:28:41**
